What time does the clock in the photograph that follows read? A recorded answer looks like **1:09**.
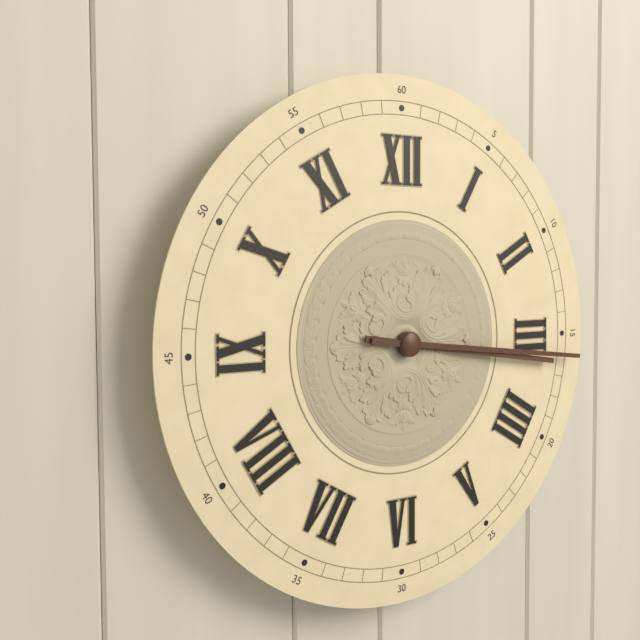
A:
**3:16**
